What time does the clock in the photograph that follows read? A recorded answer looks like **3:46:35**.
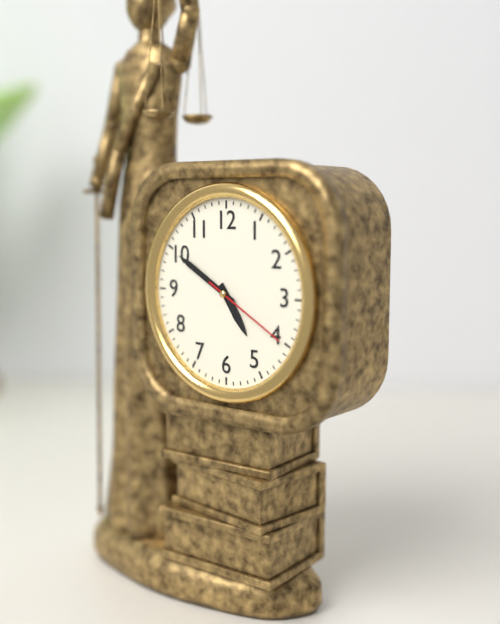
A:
**4:50:20**
